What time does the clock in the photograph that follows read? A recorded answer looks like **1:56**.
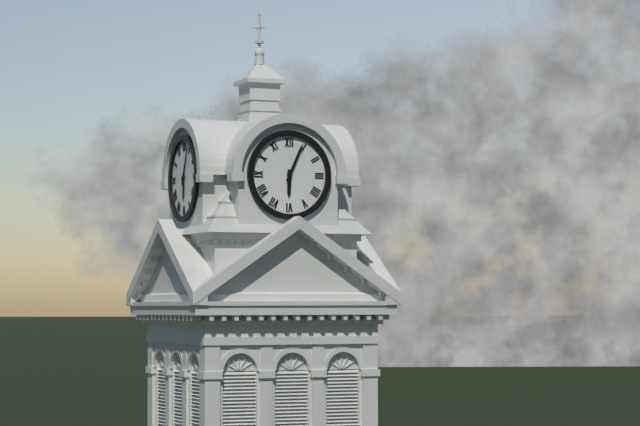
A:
**6:04**
